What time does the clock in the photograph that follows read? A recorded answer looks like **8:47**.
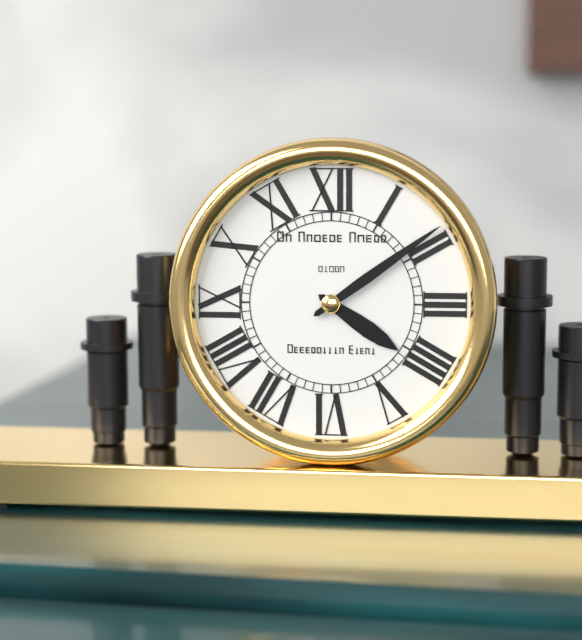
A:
**4:09**
